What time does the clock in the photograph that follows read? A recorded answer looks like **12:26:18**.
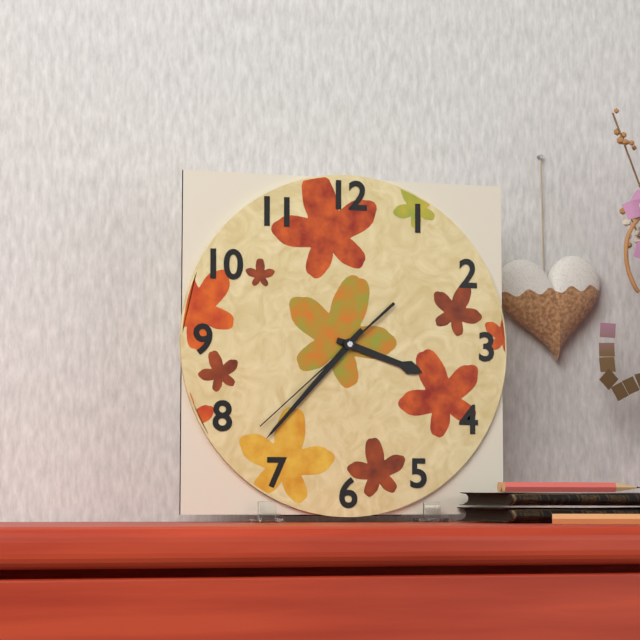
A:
**3:37:38**
